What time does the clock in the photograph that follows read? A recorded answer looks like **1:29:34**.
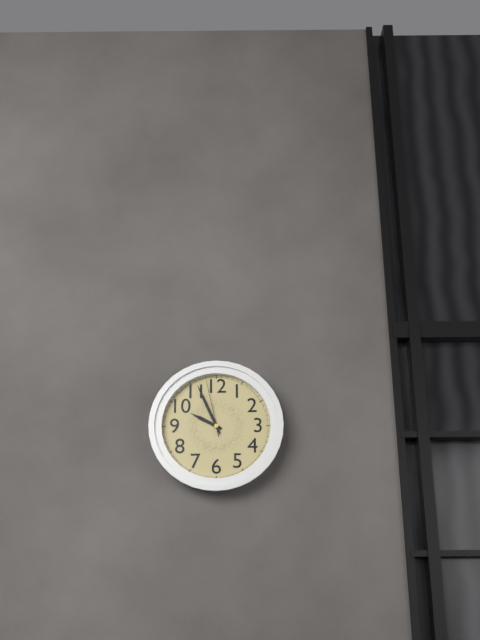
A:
**9:56:58**
